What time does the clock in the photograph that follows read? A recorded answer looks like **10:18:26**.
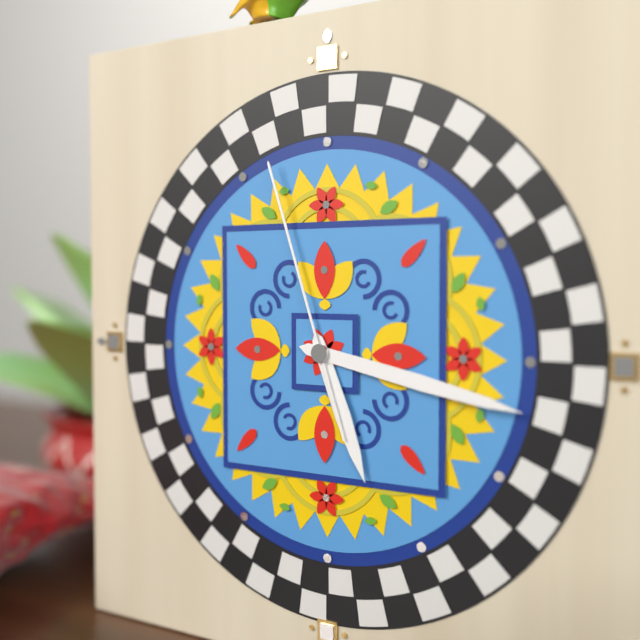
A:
**5:17:57**
